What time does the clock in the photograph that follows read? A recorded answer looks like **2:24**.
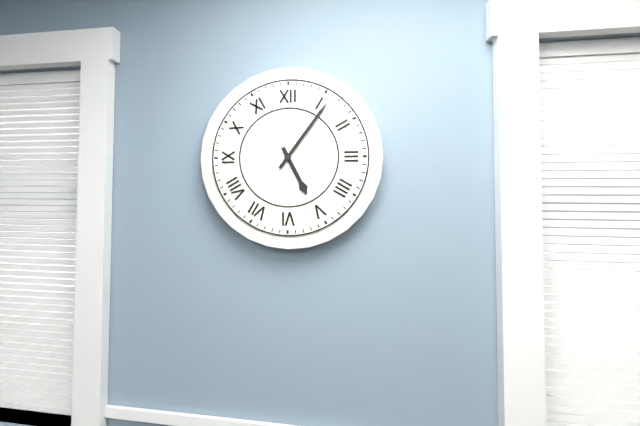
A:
**5:06**
